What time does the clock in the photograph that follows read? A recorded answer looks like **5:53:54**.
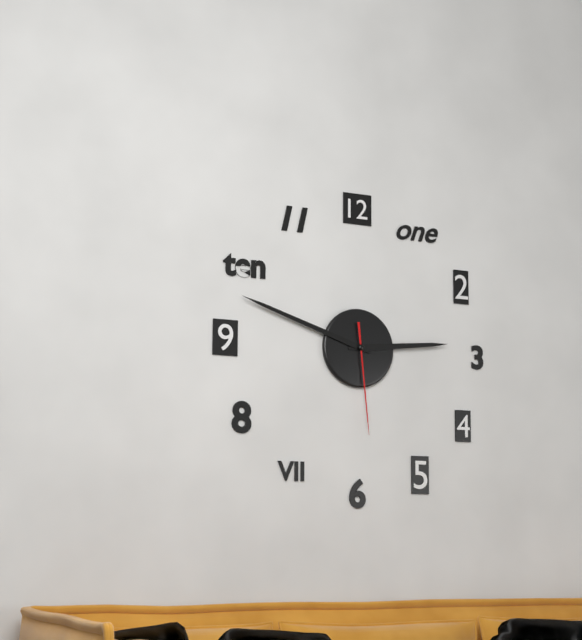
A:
**2:48:29**
